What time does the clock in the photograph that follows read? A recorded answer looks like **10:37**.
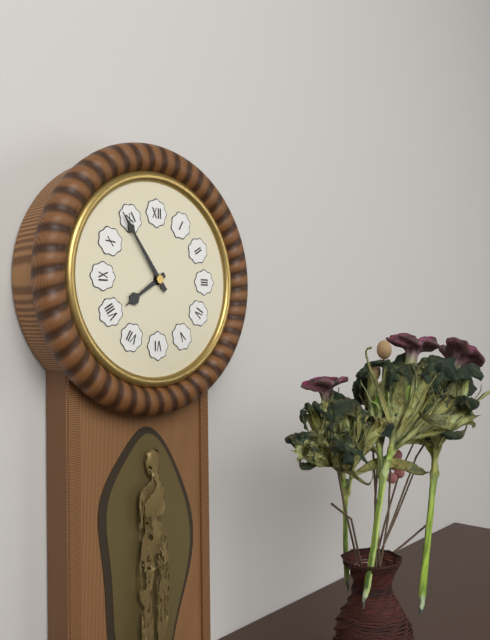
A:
**7:54**
